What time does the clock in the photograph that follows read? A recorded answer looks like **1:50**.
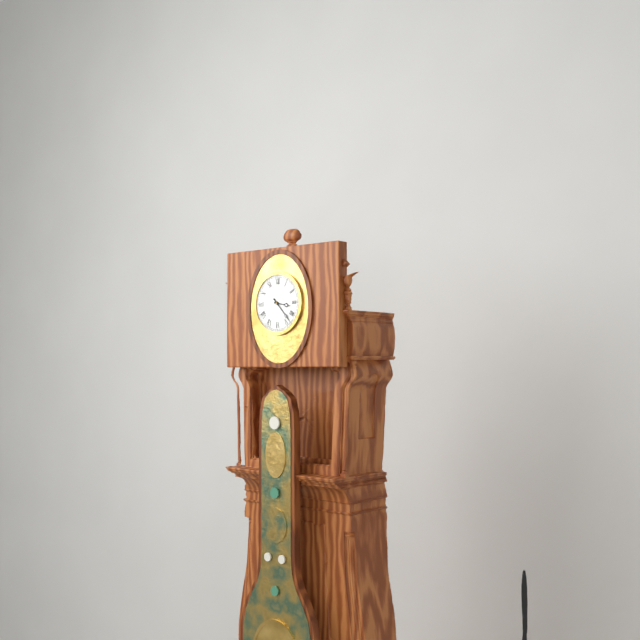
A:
**3:23**
